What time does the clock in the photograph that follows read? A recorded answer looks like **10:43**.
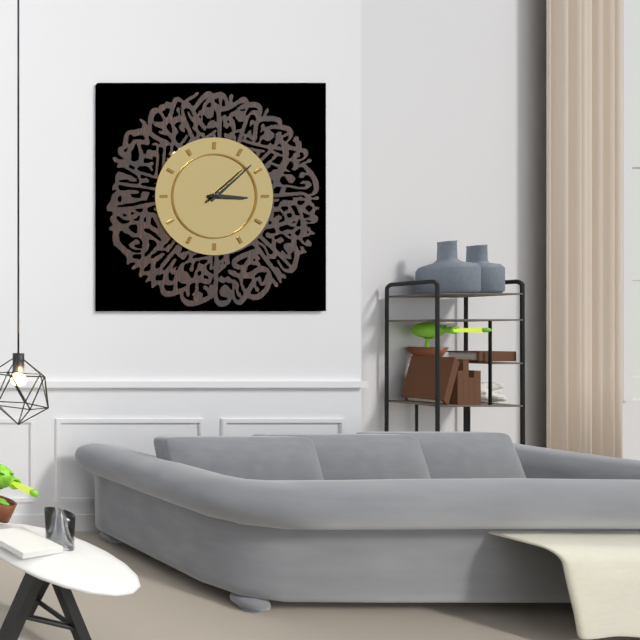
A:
**3:08**
